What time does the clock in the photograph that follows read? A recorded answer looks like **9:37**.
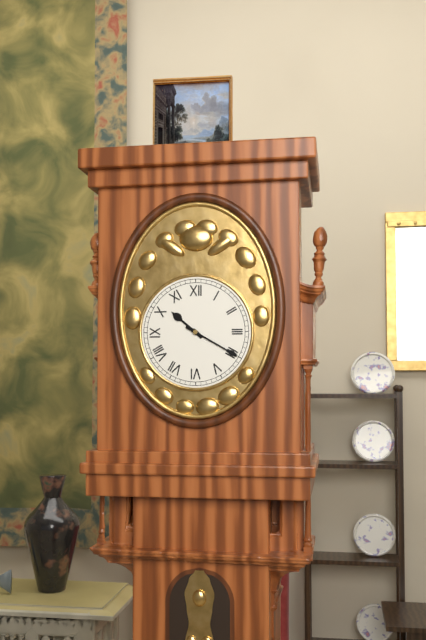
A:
**10:20**
